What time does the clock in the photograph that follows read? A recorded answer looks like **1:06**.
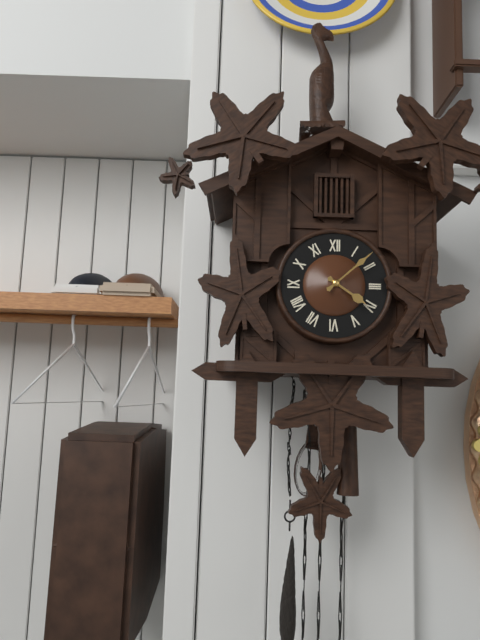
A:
**4:08**
